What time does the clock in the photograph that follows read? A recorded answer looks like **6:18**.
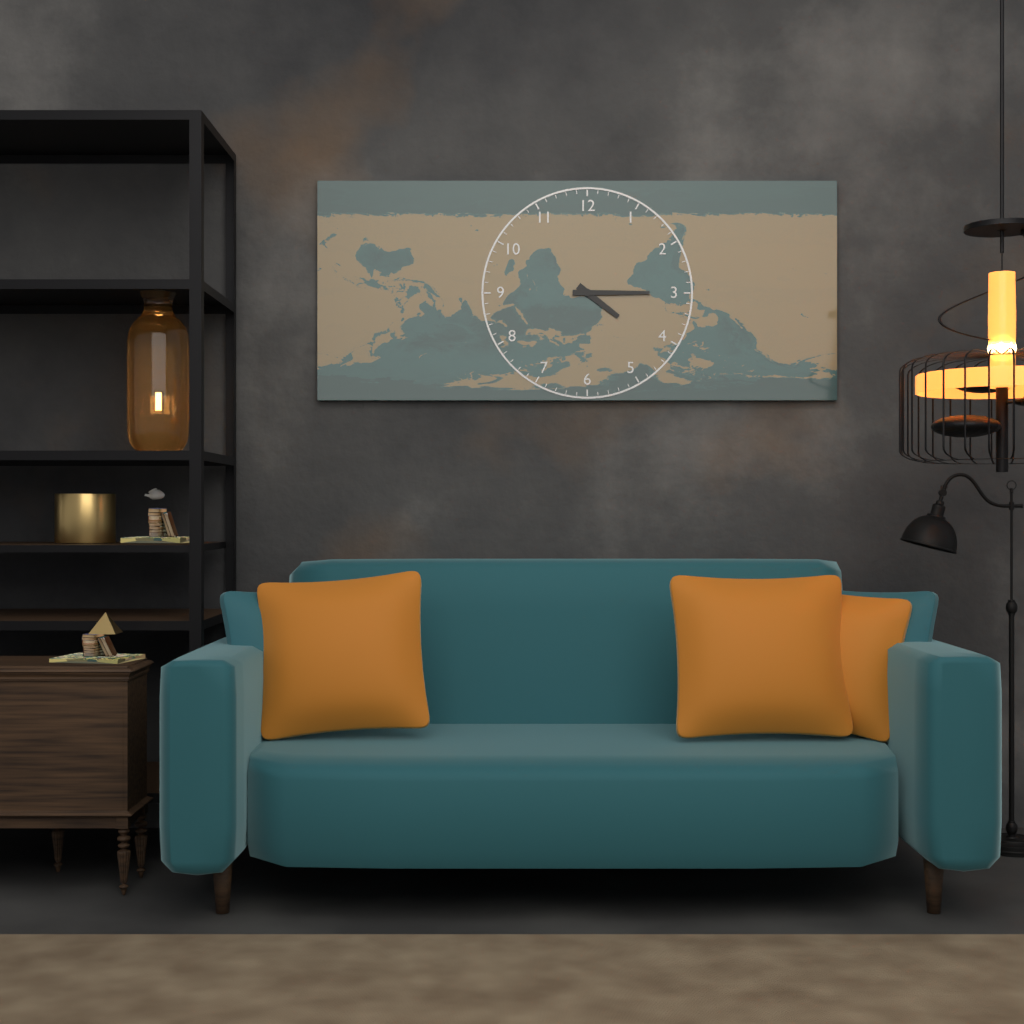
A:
**4:15**
